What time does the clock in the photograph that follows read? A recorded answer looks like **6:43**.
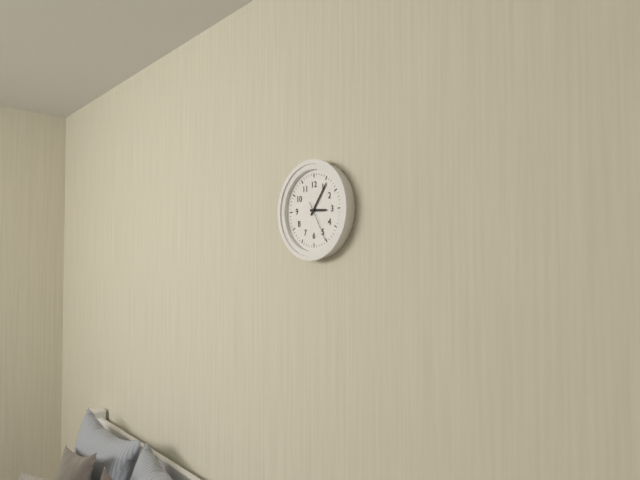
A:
**3:06**
